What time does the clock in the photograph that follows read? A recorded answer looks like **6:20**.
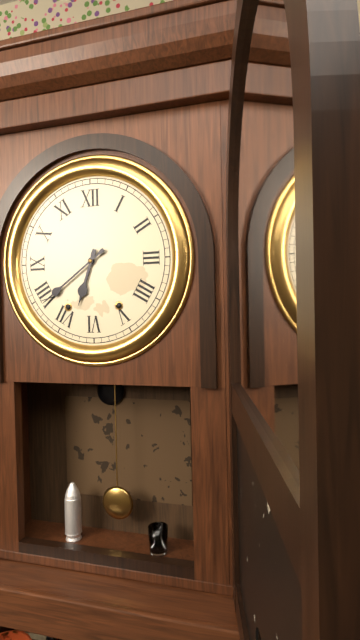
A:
**6:39**
